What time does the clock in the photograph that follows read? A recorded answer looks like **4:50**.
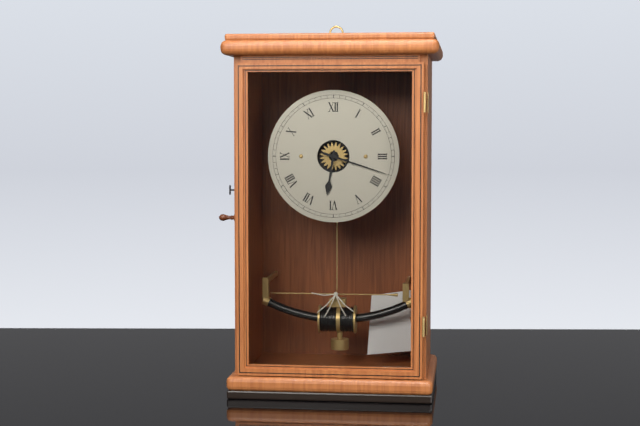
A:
**6:18**
